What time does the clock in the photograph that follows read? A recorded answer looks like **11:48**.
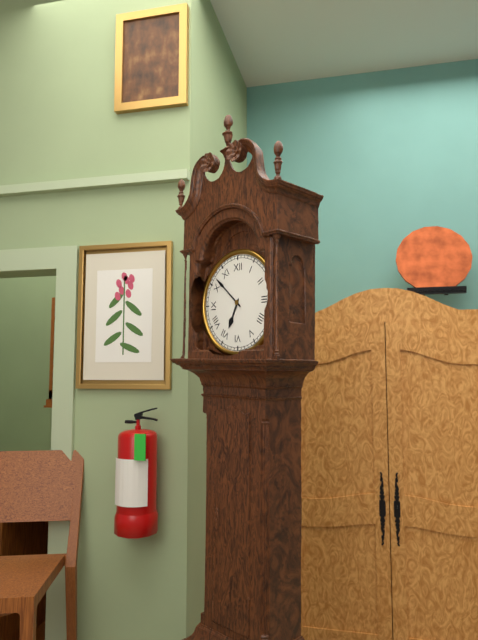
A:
**6:52**
